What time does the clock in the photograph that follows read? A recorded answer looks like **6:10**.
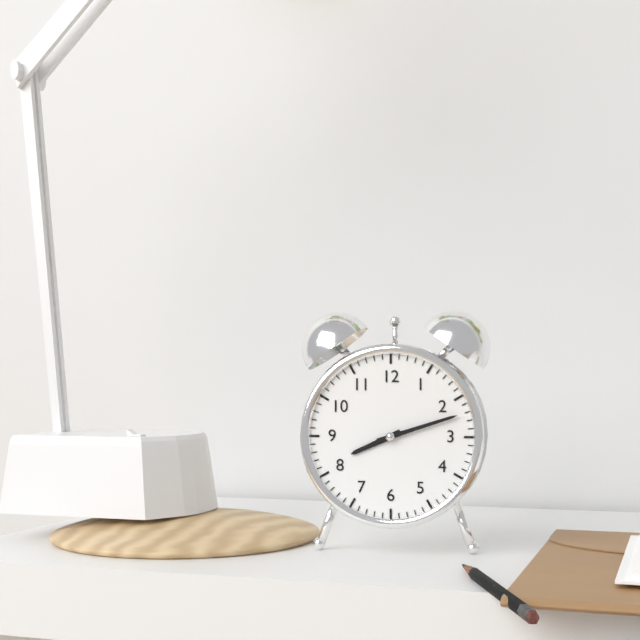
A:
**8:12**
